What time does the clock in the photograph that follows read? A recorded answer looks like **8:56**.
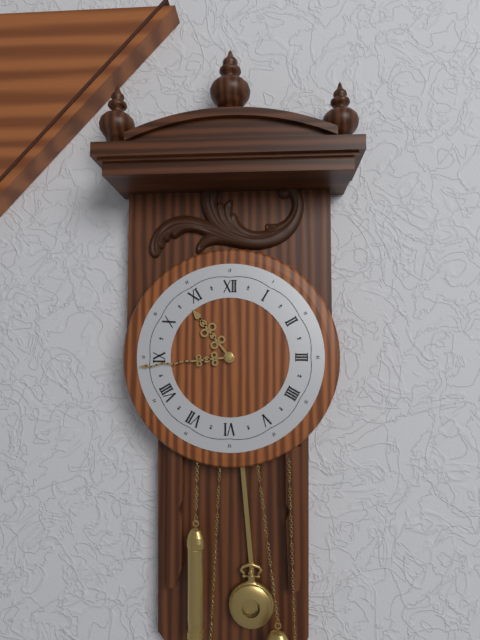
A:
**10:44**
